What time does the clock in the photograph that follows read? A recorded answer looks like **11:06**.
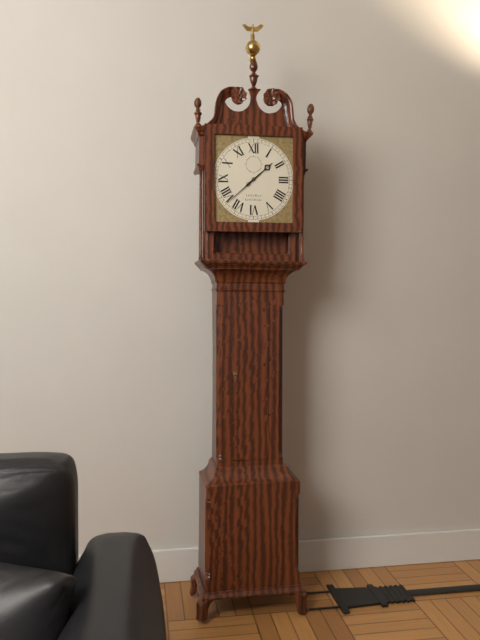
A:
**1:38**
